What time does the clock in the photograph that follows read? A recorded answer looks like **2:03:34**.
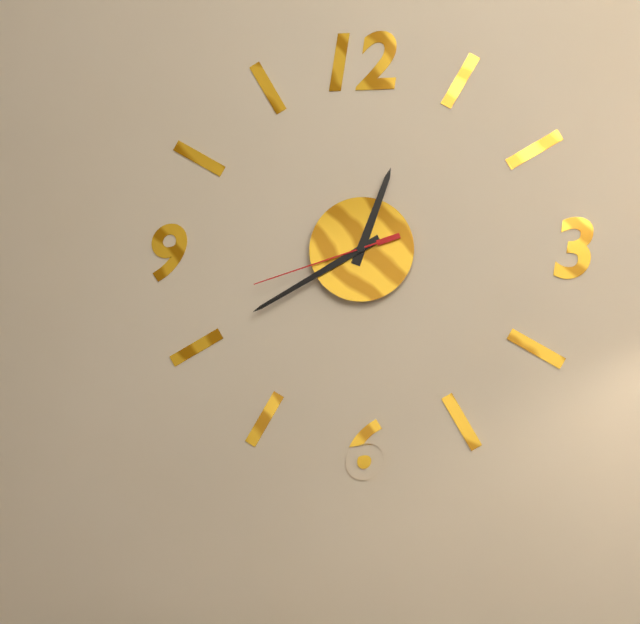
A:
**12:40:42**
